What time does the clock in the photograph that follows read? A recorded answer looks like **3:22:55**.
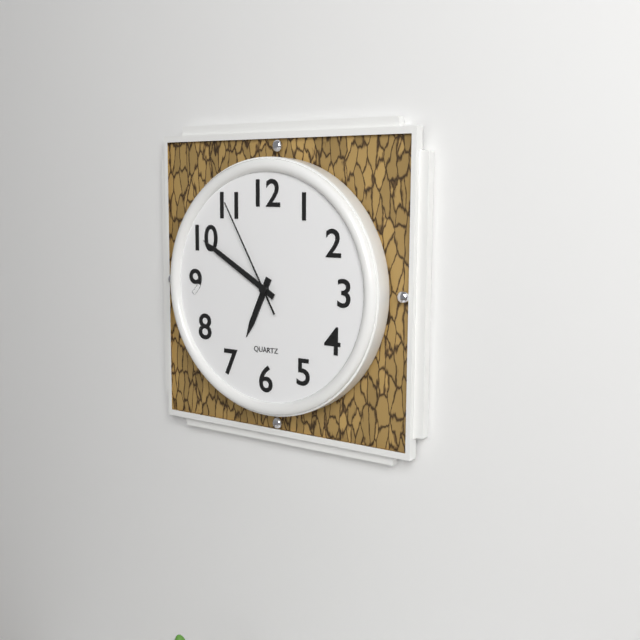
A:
**6:50:55**
